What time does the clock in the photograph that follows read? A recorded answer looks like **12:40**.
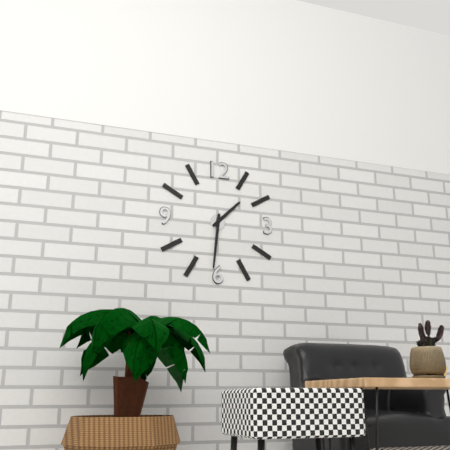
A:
**1:31**
